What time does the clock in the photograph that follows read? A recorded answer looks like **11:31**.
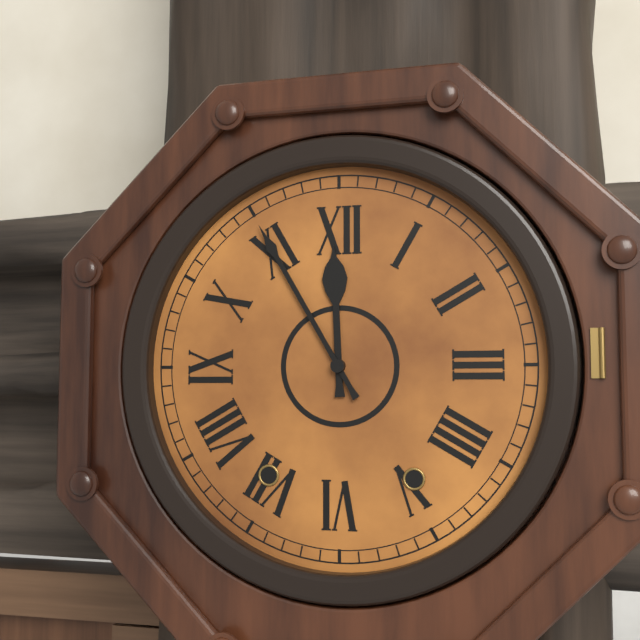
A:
**11:55**
